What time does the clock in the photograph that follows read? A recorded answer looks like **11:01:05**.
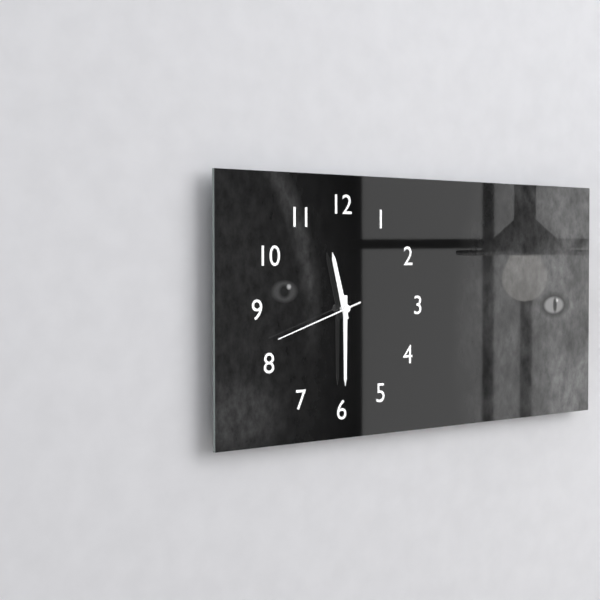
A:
**11:30:42**
